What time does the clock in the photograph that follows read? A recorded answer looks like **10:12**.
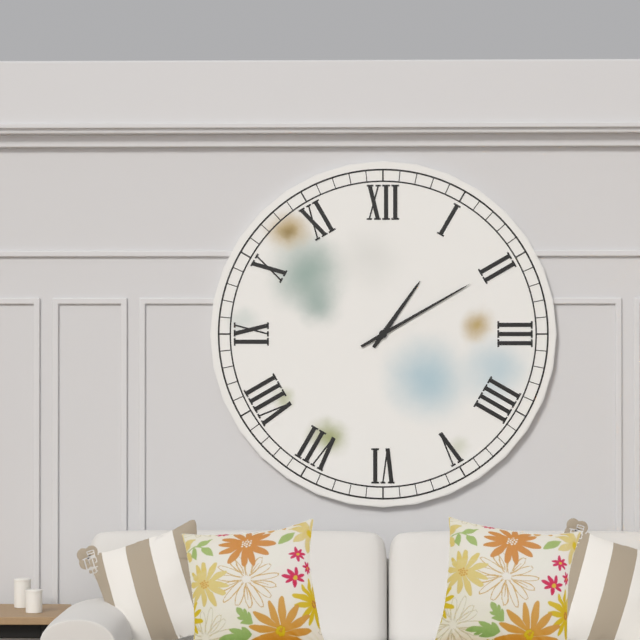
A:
**1:10**
